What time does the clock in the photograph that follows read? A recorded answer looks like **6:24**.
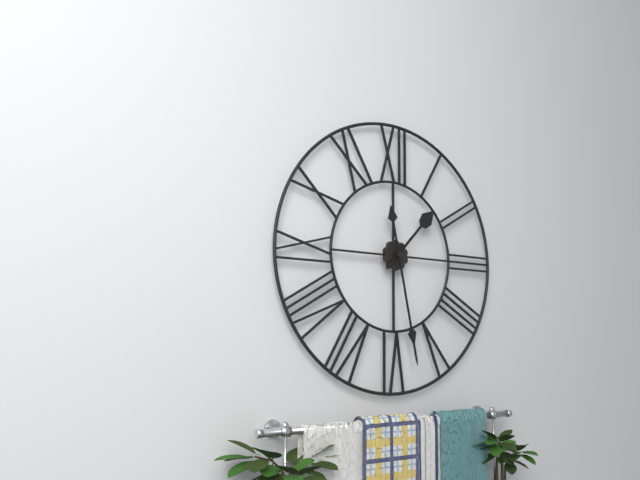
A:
**1:28**
